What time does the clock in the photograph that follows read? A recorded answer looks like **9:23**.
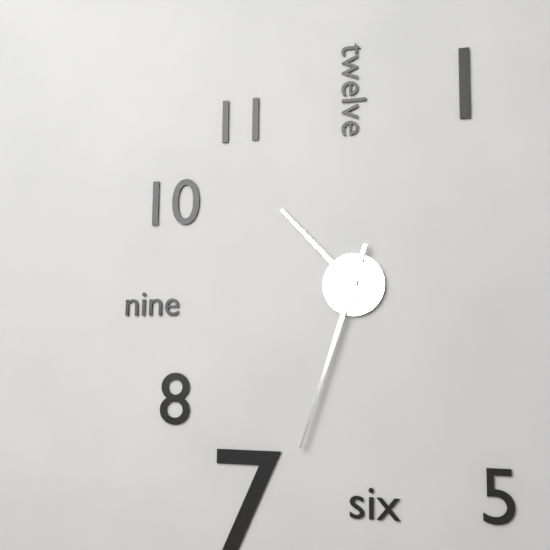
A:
**10:33**
